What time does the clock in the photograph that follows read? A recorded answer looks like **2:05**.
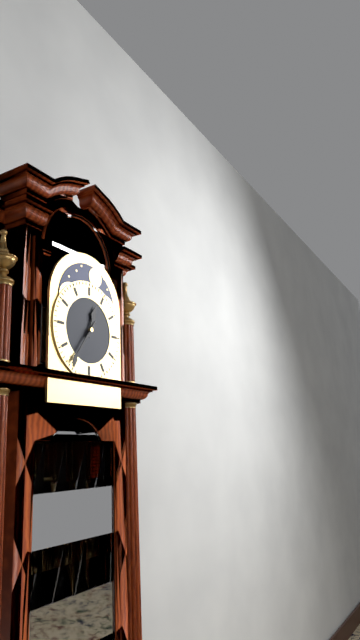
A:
**12:36**
